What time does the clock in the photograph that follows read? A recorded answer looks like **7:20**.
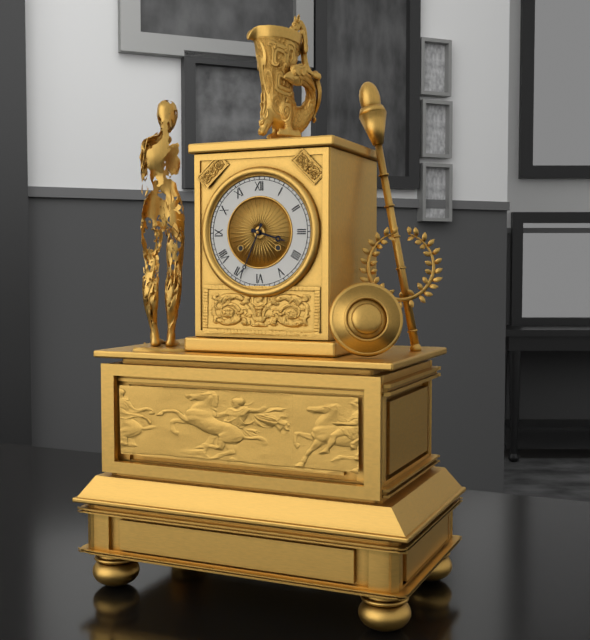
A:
**3:34**
